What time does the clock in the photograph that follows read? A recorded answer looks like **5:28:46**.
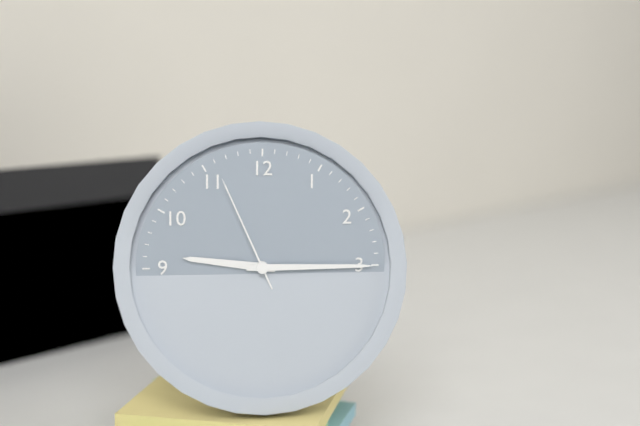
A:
**9:15:56**
